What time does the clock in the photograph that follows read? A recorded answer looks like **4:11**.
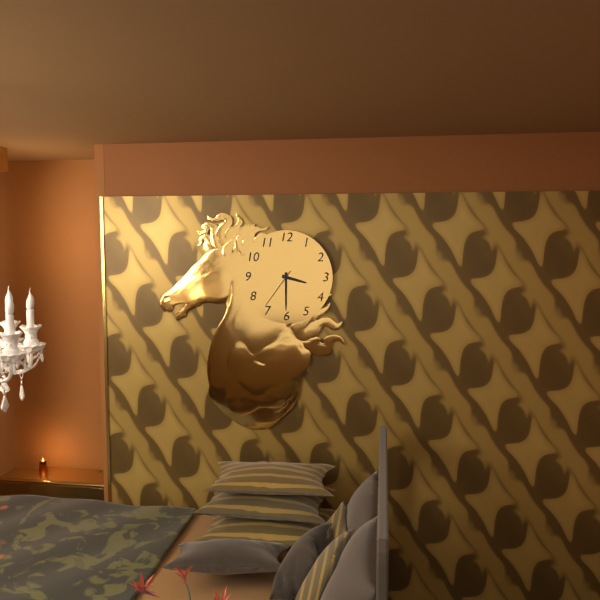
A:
**3:30**
